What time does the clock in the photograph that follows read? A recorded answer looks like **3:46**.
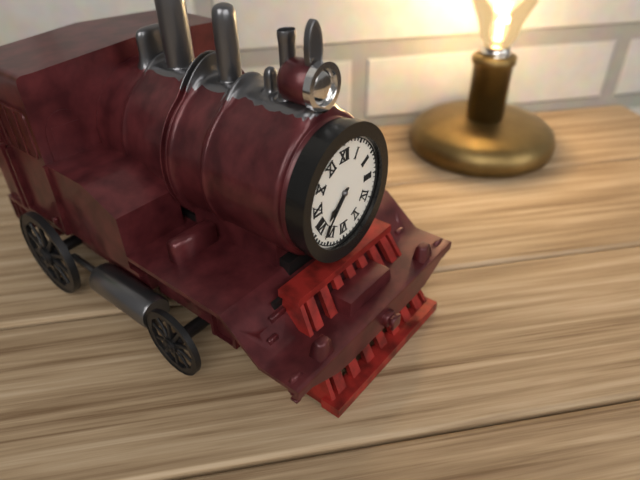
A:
**7:37**
